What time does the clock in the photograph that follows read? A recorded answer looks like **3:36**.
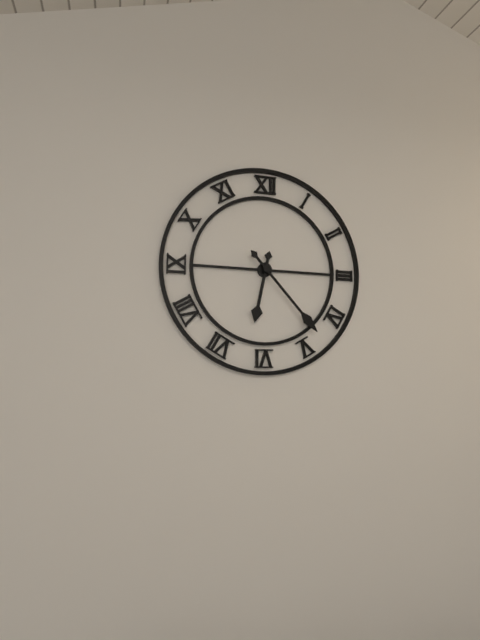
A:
**6:23**
